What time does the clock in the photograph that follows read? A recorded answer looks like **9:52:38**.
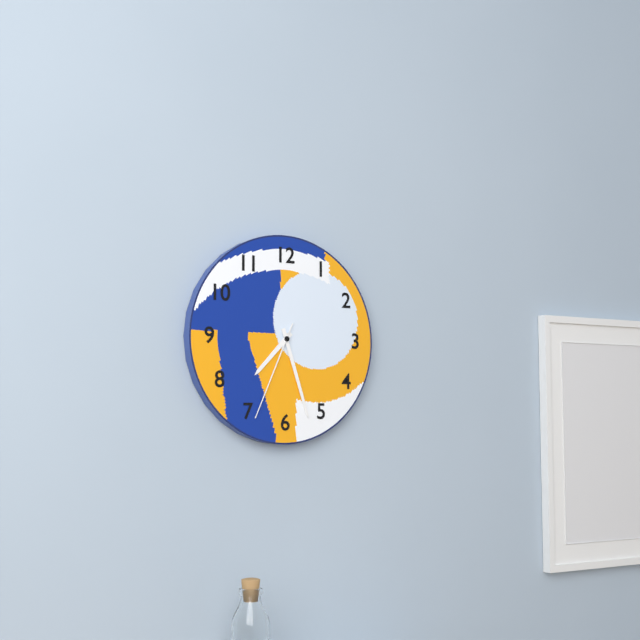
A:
**7:27:34**
